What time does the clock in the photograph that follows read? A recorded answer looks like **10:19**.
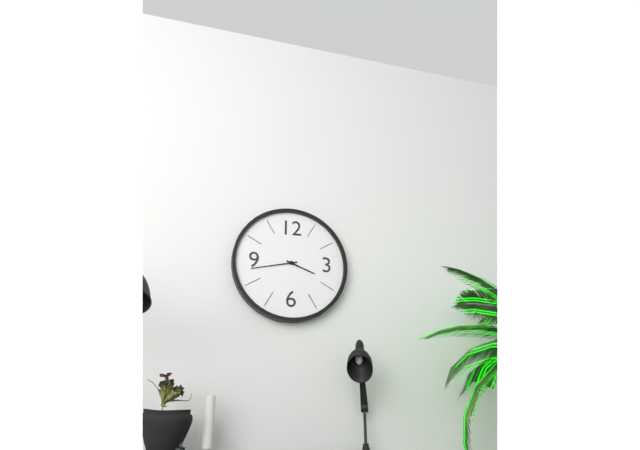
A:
**3:43**
